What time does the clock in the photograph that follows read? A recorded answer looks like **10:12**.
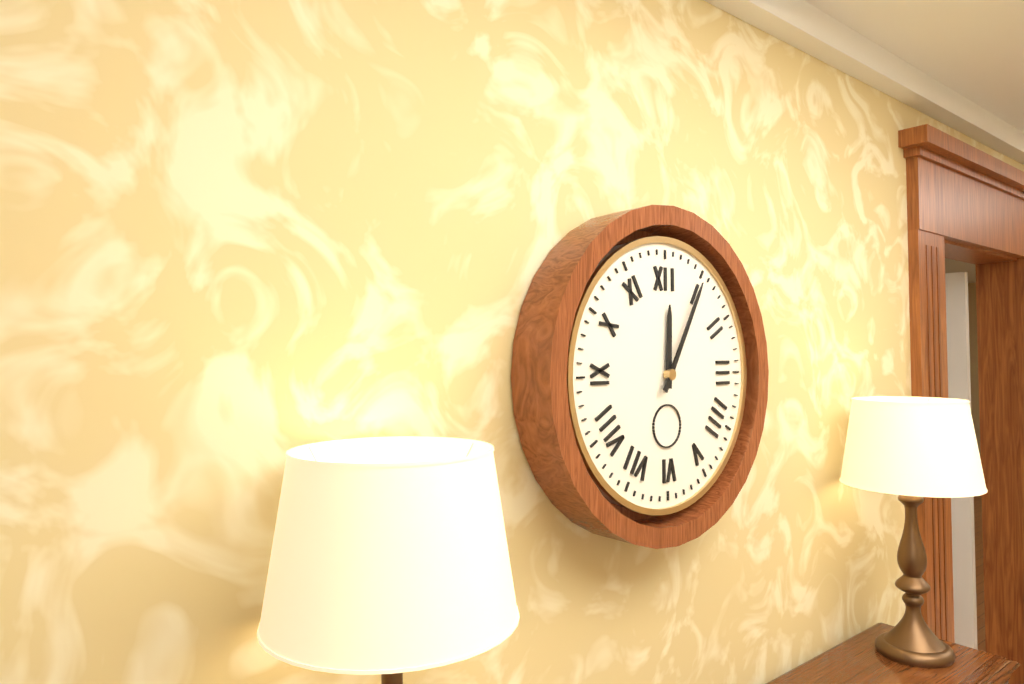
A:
**12:05**
